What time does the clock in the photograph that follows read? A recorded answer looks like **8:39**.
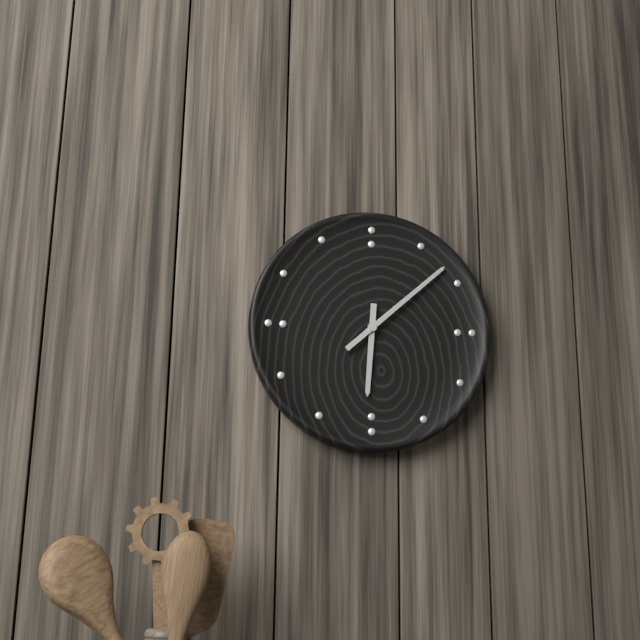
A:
**6:08**
